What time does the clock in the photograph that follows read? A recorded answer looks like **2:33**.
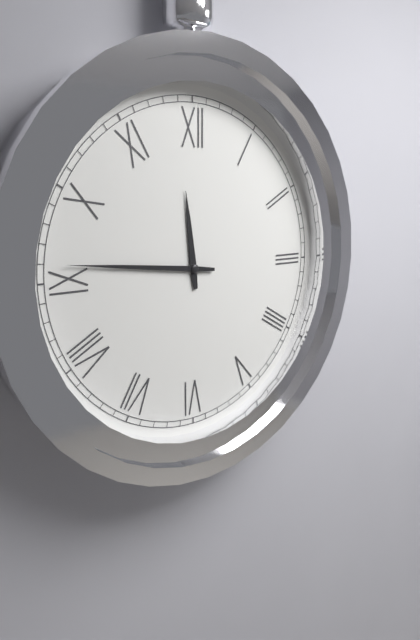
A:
**11:46**
